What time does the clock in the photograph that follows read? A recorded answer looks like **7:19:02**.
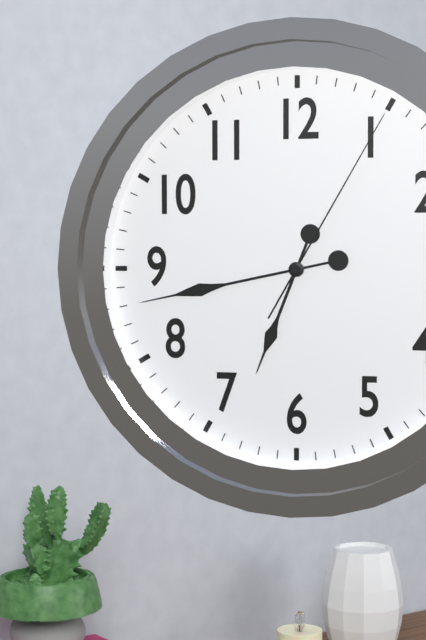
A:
**6:43:05**
